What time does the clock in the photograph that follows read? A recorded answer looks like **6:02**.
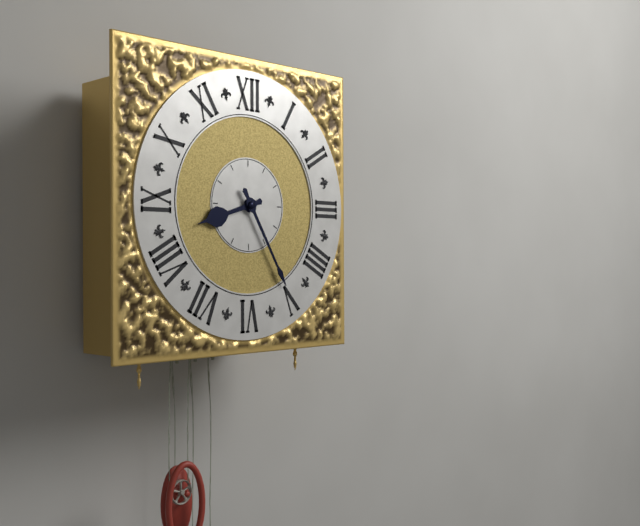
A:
**8:25**
